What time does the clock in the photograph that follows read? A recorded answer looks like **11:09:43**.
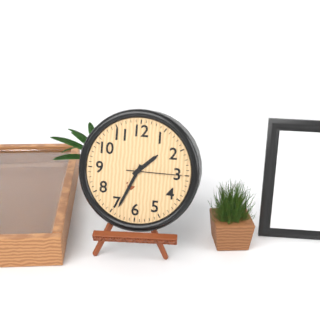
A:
**1:34:15**
